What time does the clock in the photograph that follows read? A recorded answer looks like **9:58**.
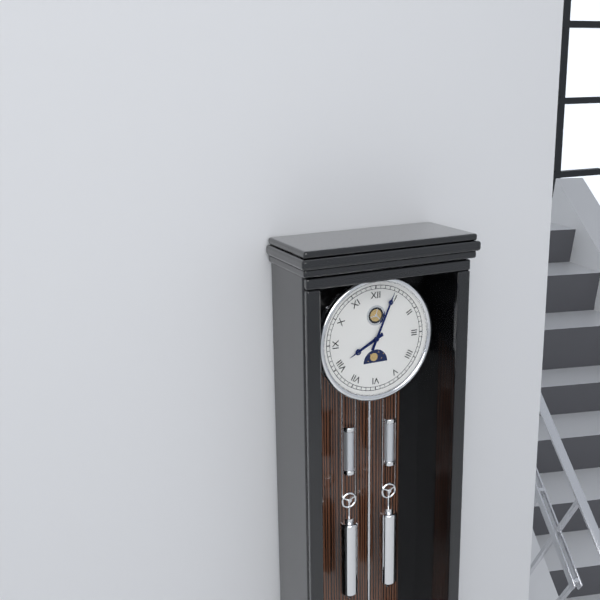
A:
**8:04**
